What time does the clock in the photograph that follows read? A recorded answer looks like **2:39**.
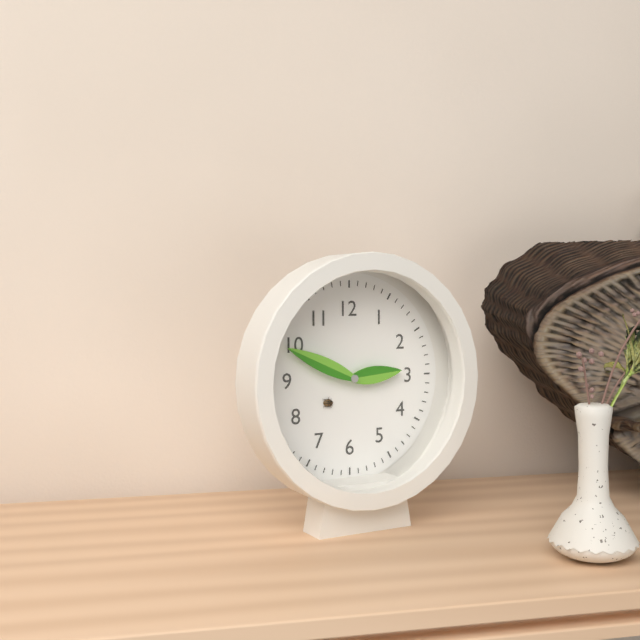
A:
**2:49**
